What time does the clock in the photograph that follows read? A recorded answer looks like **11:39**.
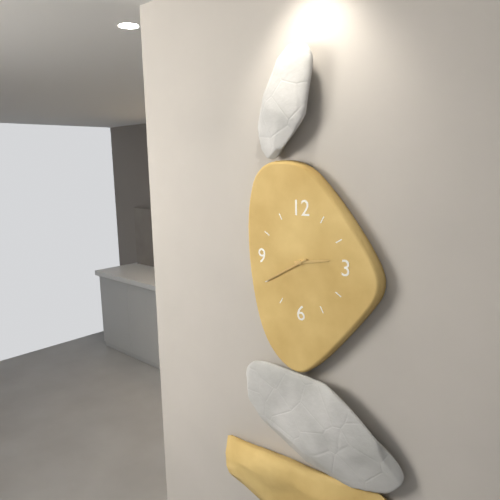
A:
**2:40**
